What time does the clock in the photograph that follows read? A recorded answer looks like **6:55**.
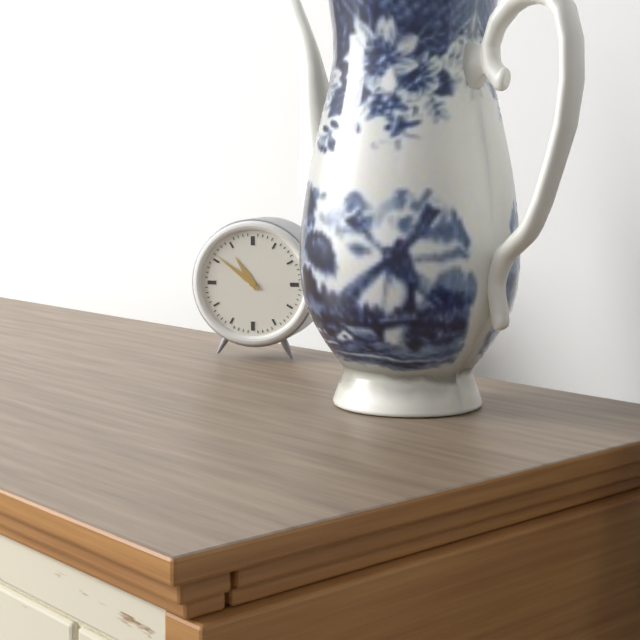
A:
**10:51**
